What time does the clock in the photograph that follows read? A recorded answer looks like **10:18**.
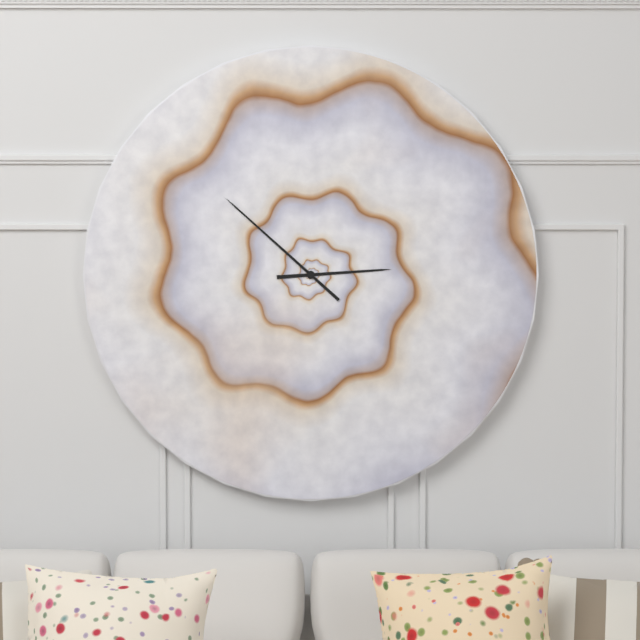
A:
**2:52**
